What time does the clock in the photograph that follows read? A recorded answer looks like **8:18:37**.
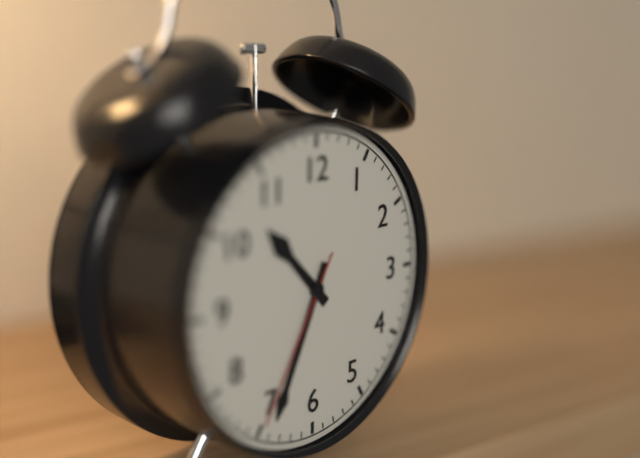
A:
**10:34:35**
